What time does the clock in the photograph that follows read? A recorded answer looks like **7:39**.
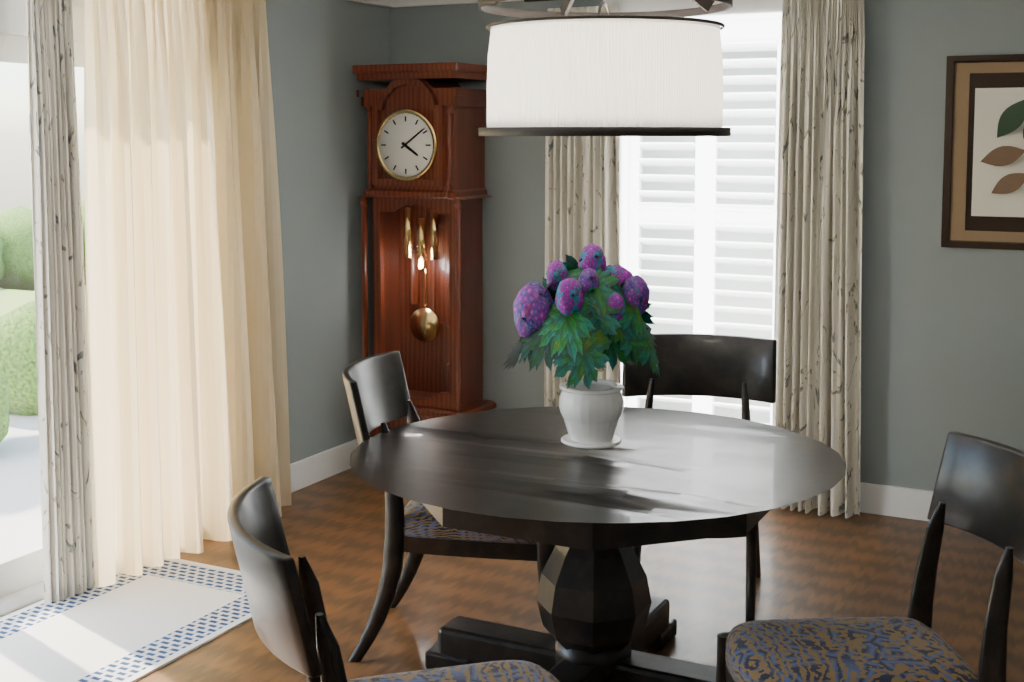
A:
**4:09**
